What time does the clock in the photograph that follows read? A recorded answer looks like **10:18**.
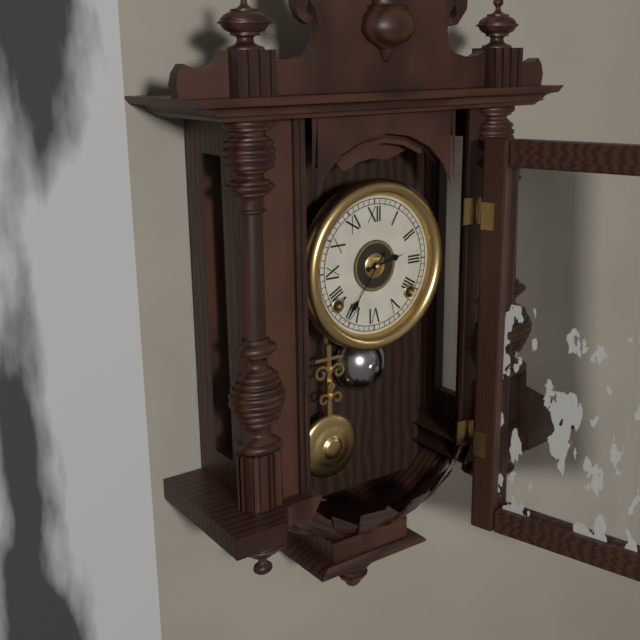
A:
**2:36**
